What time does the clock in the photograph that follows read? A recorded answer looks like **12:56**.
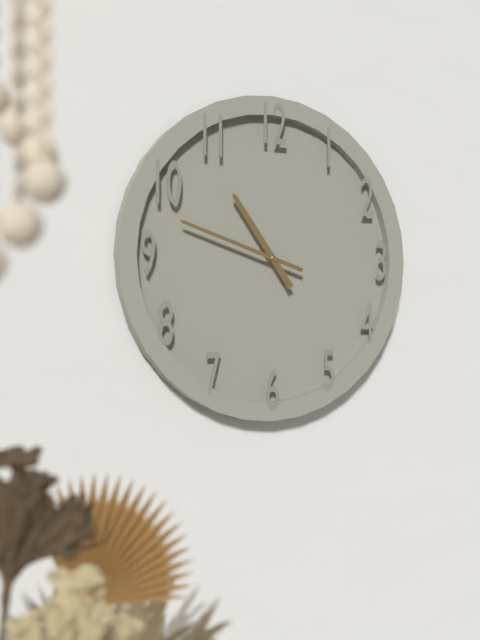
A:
**10:48**
